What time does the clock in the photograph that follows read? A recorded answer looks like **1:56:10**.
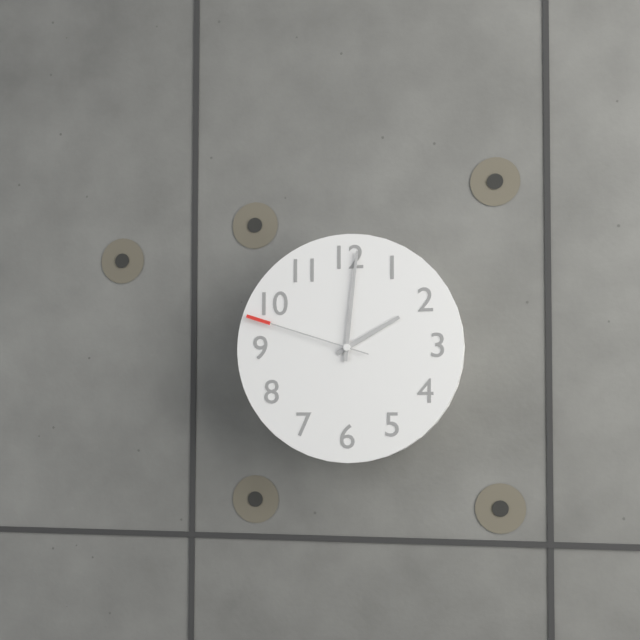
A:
**2:01:48**
